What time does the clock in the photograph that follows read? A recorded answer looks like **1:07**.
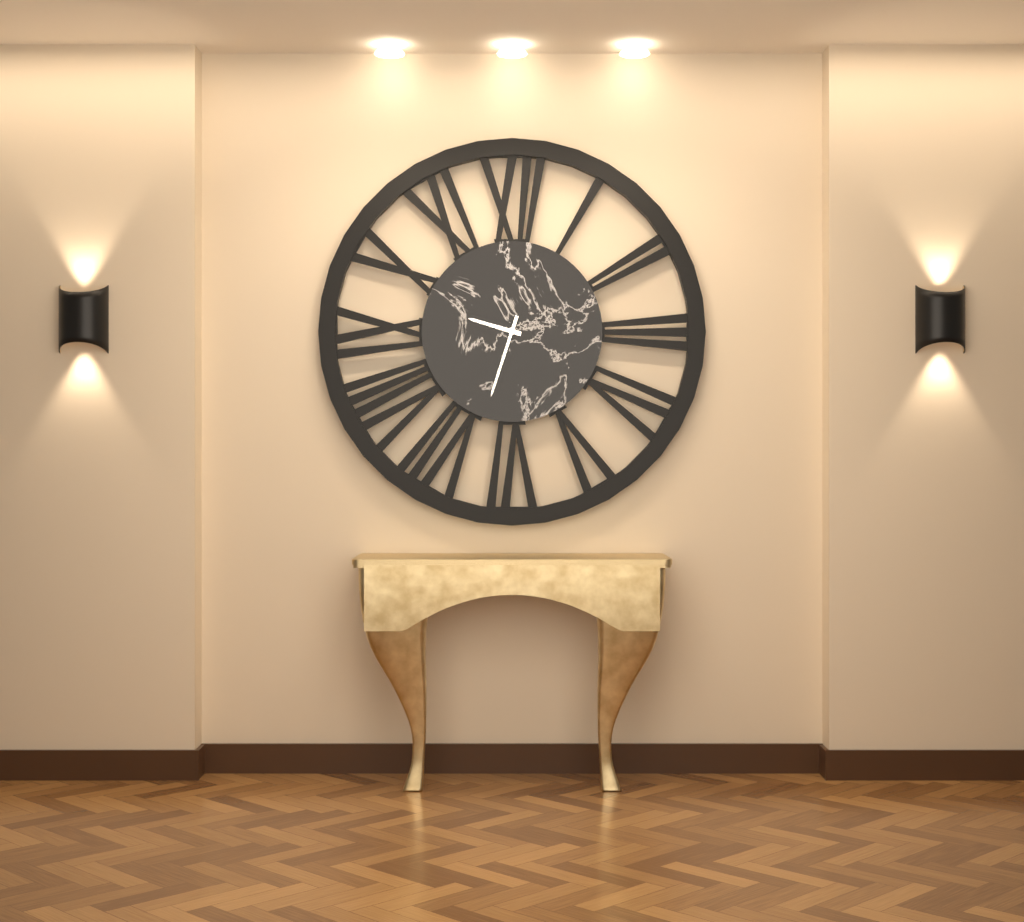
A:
**9:33**
